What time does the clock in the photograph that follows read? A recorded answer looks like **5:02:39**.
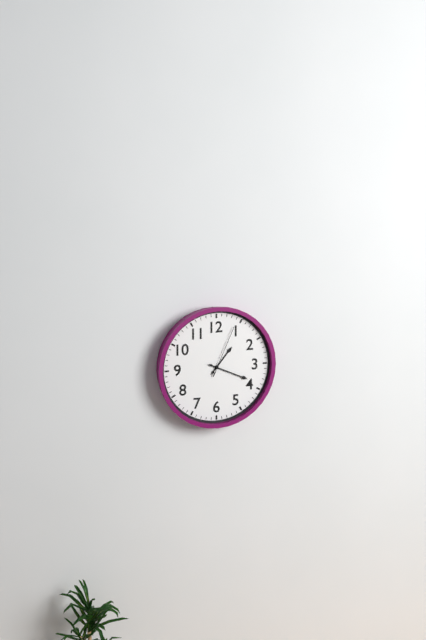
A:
**1:19:04**
